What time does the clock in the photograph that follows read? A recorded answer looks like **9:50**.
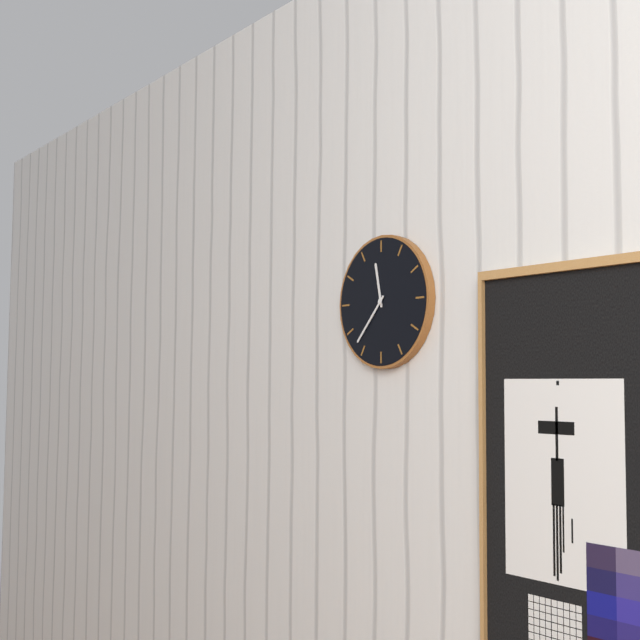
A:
**11:37**
